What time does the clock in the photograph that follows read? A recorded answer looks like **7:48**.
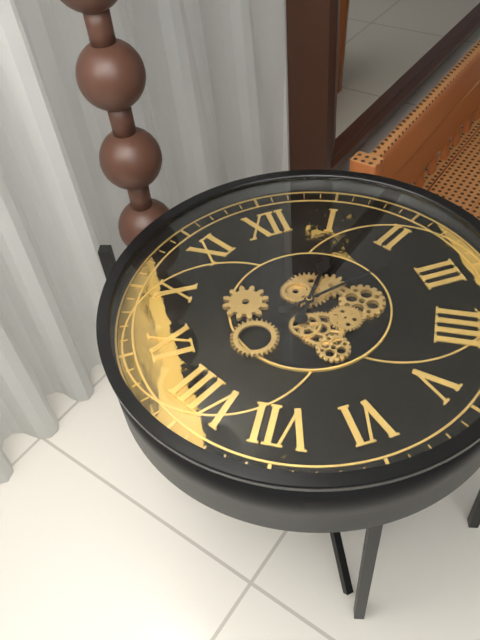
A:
**1:13**
